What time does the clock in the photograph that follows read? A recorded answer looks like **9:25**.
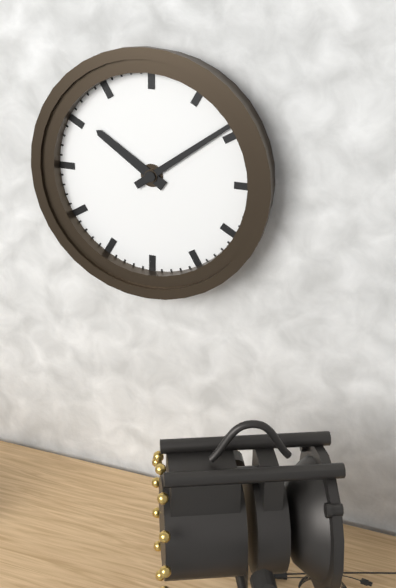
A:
**10:09**
